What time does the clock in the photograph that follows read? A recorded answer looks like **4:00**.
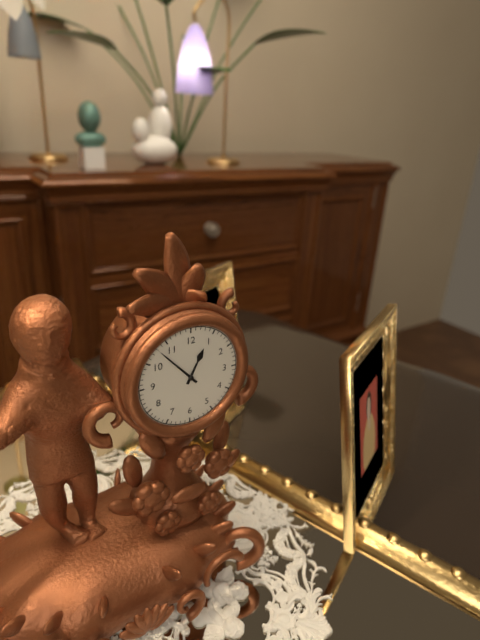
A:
**12:53**
